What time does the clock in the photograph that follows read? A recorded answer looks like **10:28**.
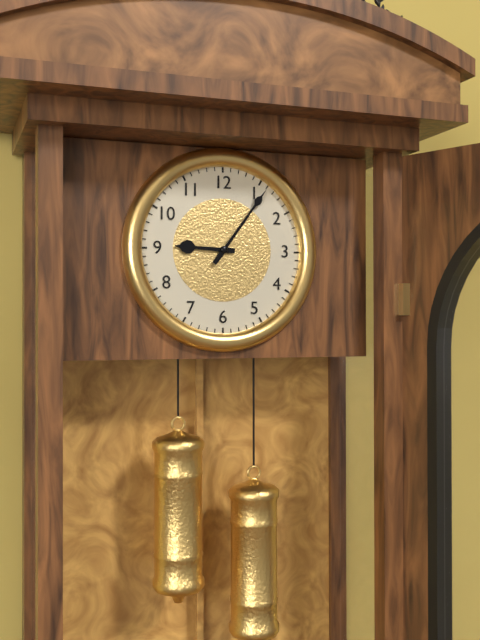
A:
**9:06**
